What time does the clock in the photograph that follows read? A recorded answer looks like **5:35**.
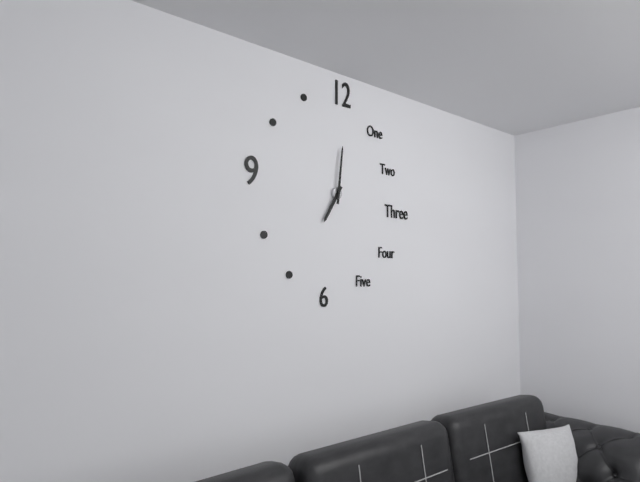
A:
**7:01**
